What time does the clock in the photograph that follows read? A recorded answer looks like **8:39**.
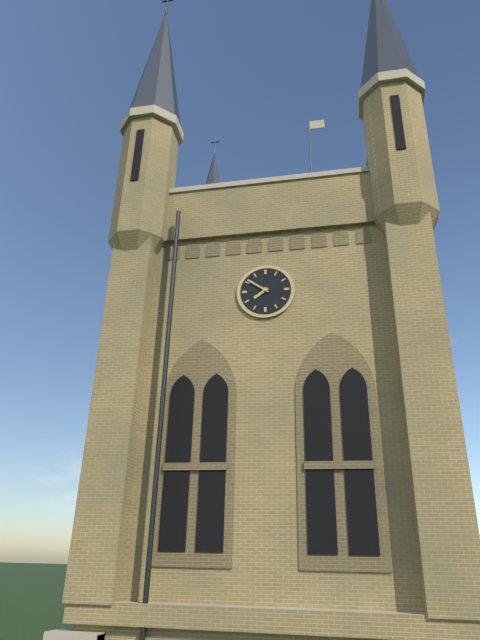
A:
**7:51**
